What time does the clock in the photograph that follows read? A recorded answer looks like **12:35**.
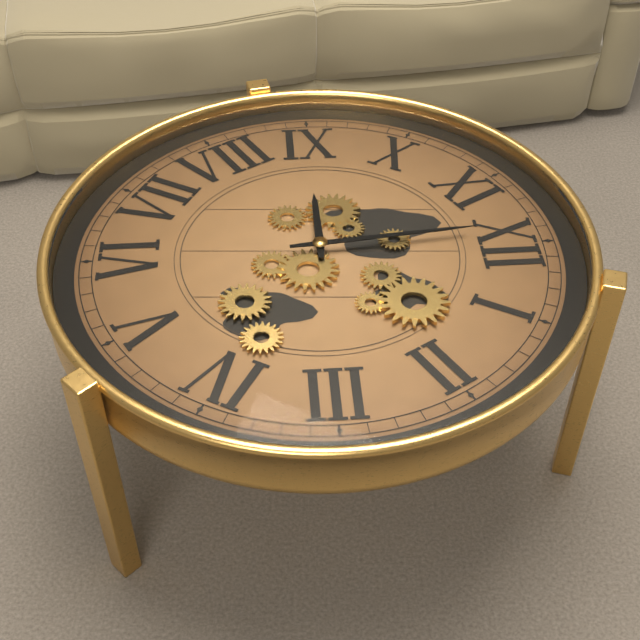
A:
**8:59**
